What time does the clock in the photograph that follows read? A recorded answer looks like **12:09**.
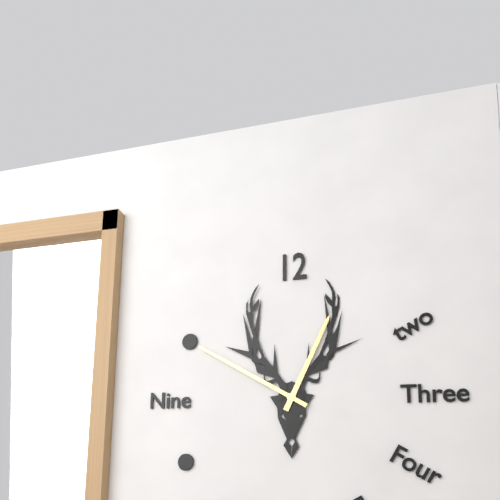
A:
**12:50**
